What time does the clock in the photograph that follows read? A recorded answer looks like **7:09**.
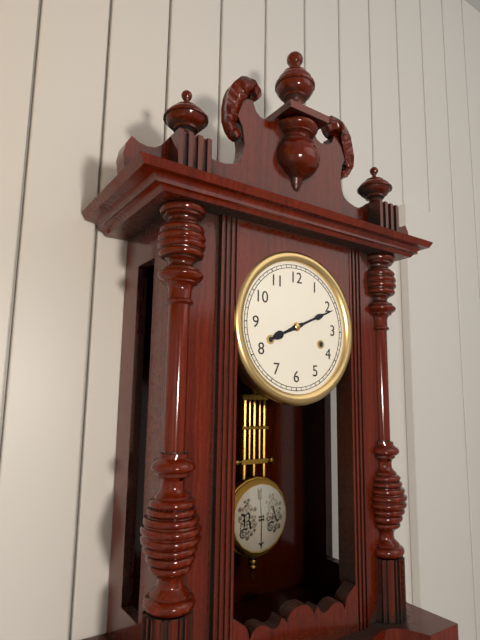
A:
**8:11**
